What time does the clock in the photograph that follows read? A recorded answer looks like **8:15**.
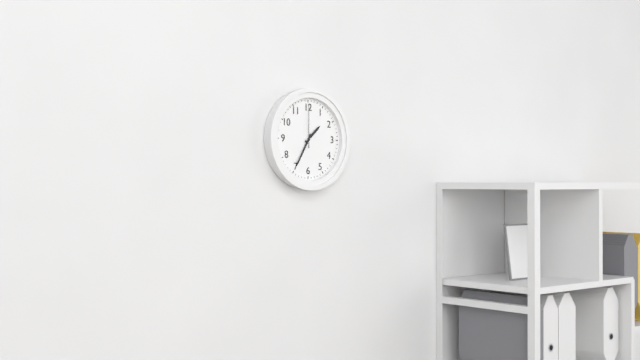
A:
**1:35**
